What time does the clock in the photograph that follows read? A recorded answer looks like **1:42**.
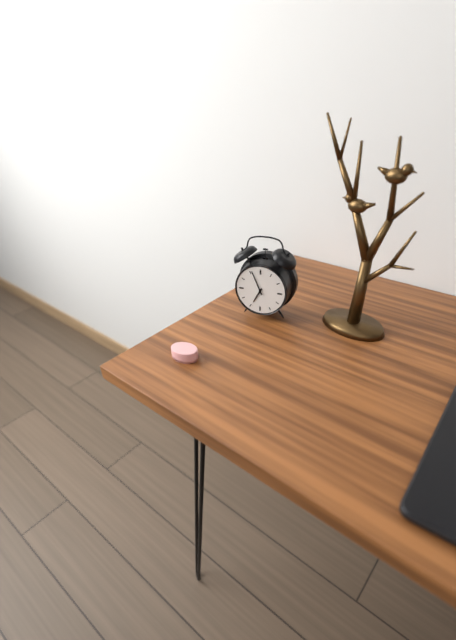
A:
**6:56**
